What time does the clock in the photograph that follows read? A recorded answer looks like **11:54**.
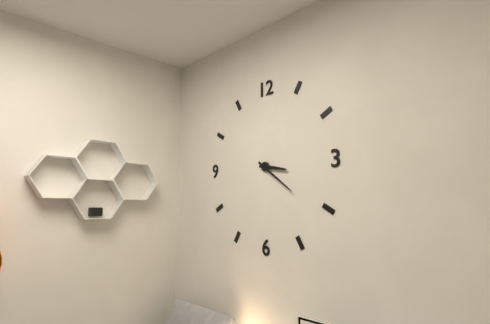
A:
**3:21**
